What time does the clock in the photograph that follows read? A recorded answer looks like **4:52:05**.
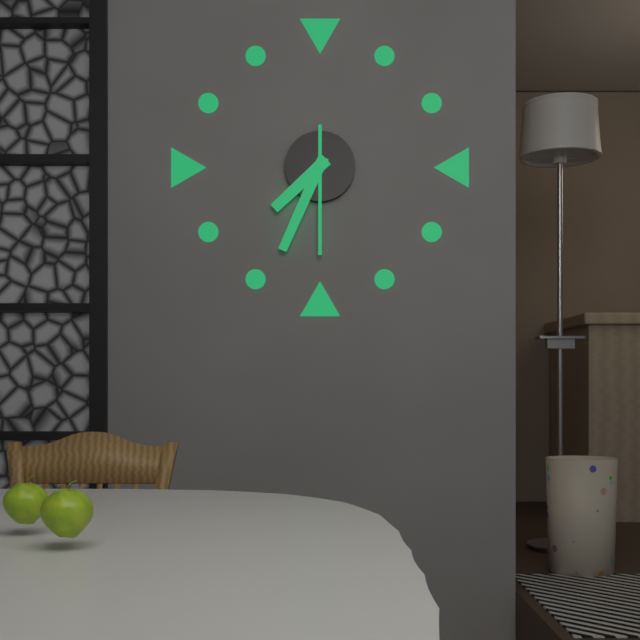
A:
**7:34:30**
